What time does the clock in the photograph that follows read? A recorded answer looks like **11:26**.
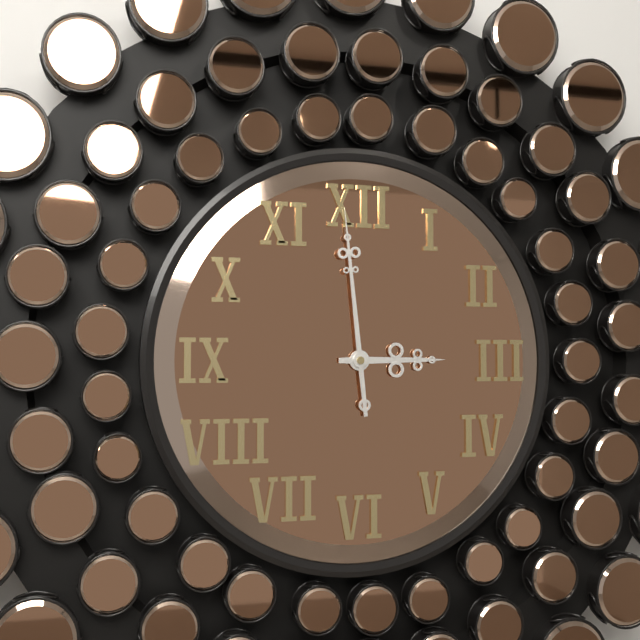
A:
**2:59**
